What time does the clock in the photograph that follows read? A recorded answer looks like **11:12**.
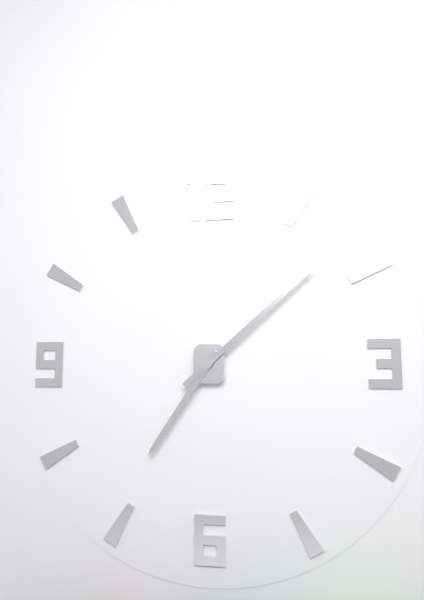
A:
**7:08**
